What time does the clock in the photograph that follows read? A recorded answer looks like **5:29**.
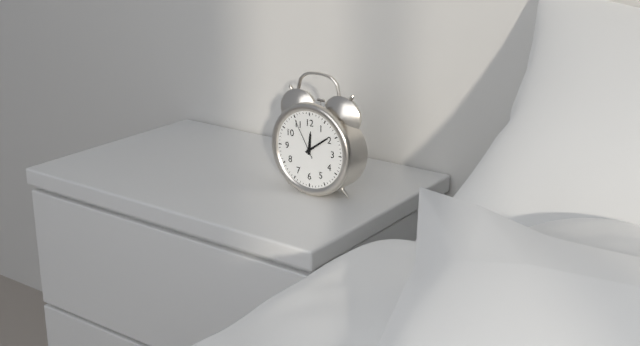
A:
**12:09**
